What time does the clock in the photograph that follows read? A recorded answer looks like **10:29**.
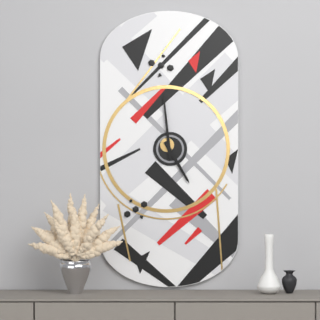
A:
**4:59**
